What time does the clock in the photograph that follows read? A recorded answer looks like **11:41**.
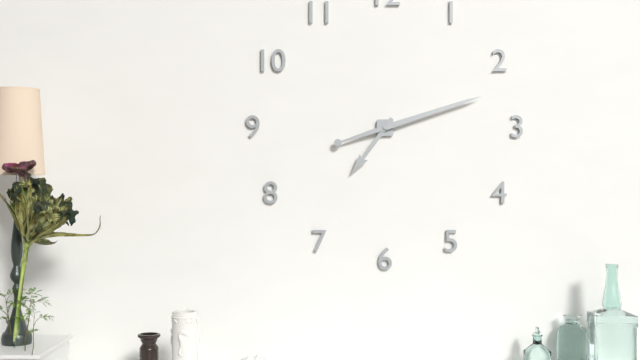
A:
**7:12**
